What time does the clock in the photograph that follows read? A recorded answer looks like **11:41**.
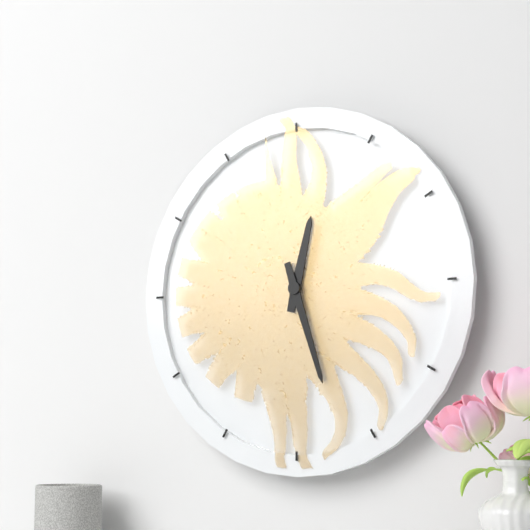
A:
**12:27**
